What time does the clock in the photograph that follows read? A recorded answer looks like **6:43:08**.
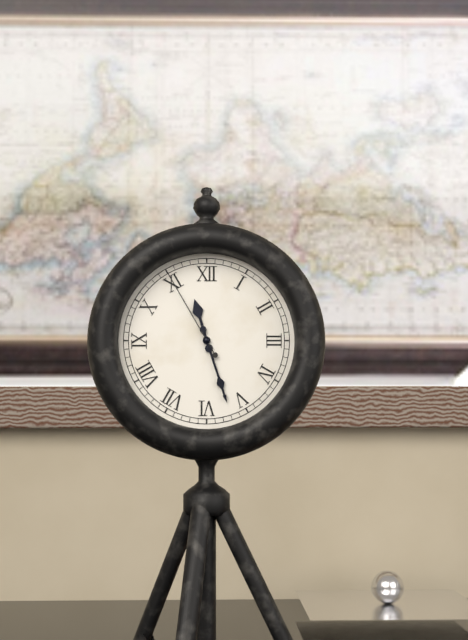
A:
**11:27:55**
